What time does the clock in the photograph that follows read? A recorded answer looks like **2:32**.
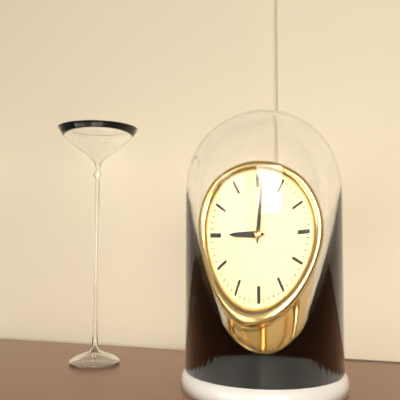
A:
**9:01**
